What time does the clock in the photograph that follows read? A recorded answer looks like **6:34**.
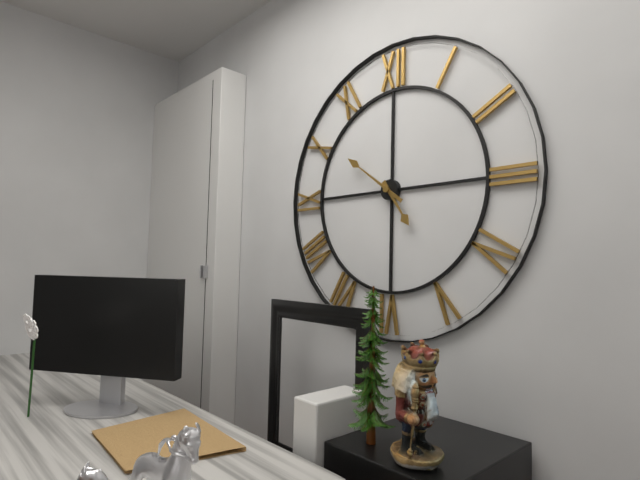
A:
**4:51**
